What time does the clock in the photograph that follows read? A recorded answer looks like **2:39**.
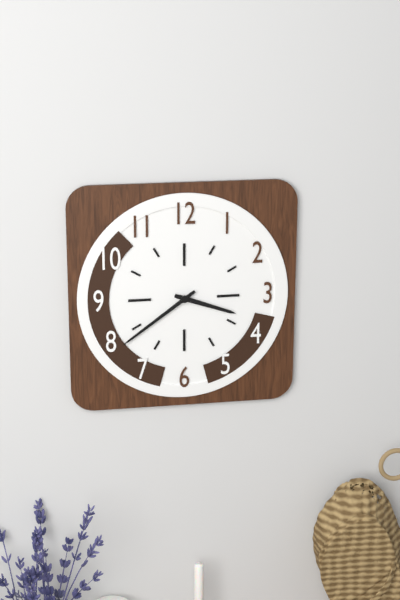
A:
**3:39**
